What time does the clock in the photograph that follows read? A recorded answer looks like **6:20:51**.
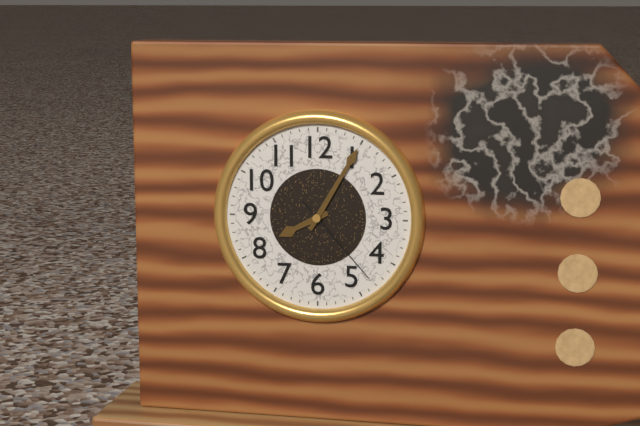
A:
**8:05:23**
